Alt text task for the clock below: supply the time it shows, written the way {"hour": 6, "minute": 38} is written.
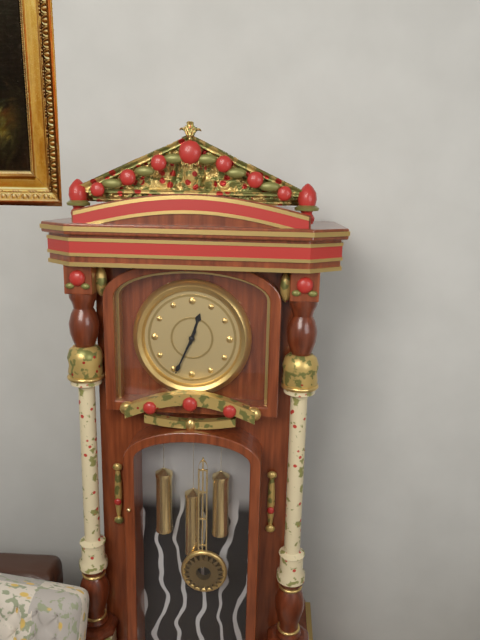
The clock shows {"hour": 12, "minute": 34}
